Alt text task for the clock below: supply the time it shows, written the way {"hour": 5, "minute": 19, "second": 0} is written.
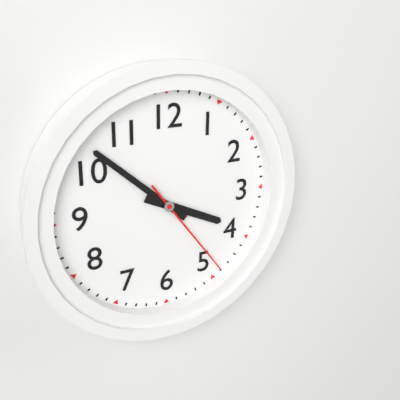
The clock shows {"hour": 3, "minute": 52, "second": 24}
